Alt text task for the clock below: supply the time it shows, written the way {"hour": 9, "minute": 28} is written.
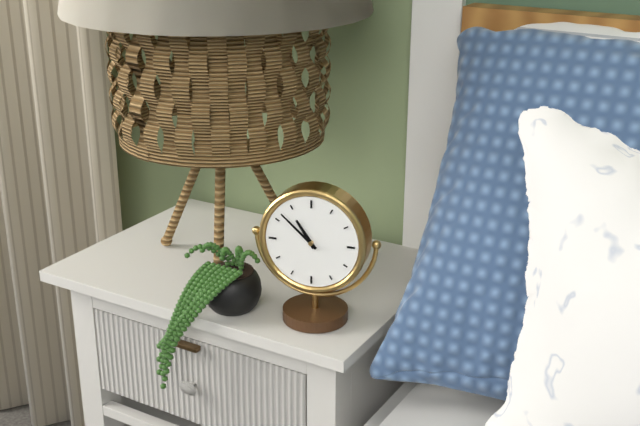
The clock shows {"hour": 10, "minute": 52}
